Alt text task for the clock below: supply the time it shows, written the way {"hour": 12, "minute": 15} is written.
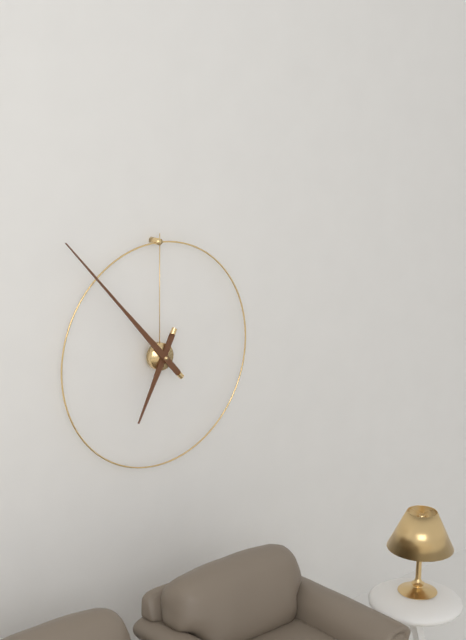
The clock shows {"hour": 6, "minute": 53}
